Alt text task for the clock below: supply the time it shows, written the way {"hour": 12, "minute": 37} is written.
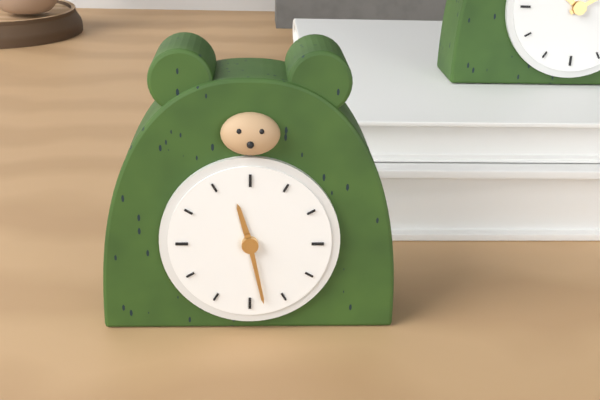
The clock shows {"hour": 11, "minute": 28}
